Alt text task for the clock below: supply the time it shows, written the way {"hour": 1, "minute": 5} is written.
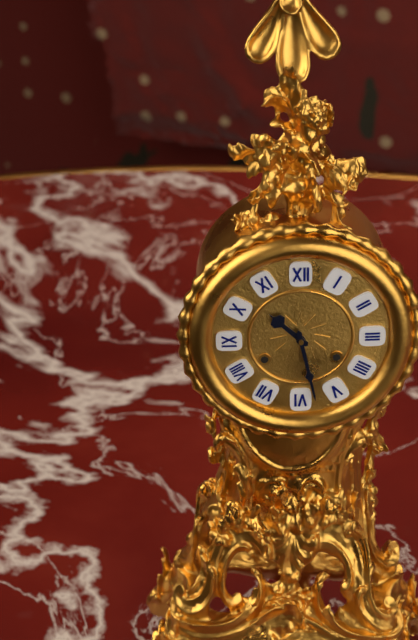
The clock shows {"hour": 10, "minute": 28}
